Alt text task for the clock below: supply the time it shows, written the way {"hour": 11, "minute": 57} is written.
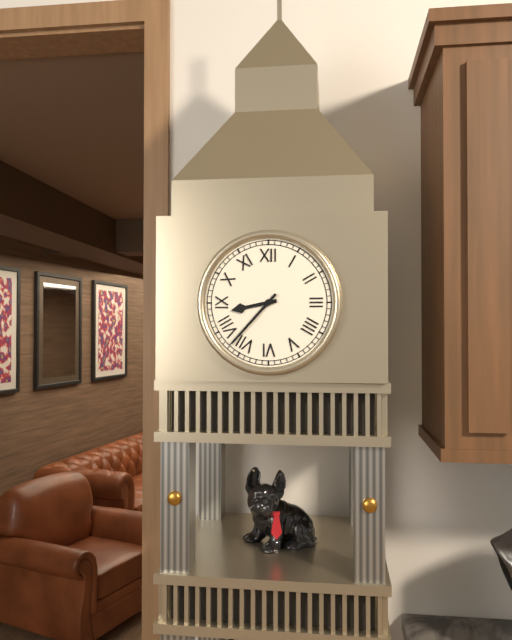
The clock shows {"hour": 8, "minute": 37}
